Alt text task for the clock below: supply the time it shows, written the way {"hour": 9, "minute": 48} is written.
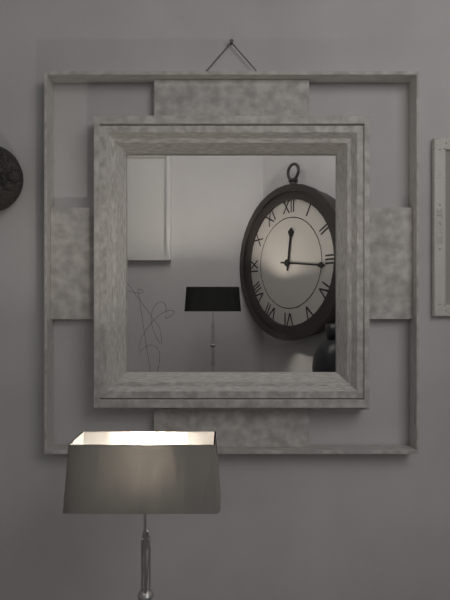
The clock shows {"hour": 12, "minute": 16}
